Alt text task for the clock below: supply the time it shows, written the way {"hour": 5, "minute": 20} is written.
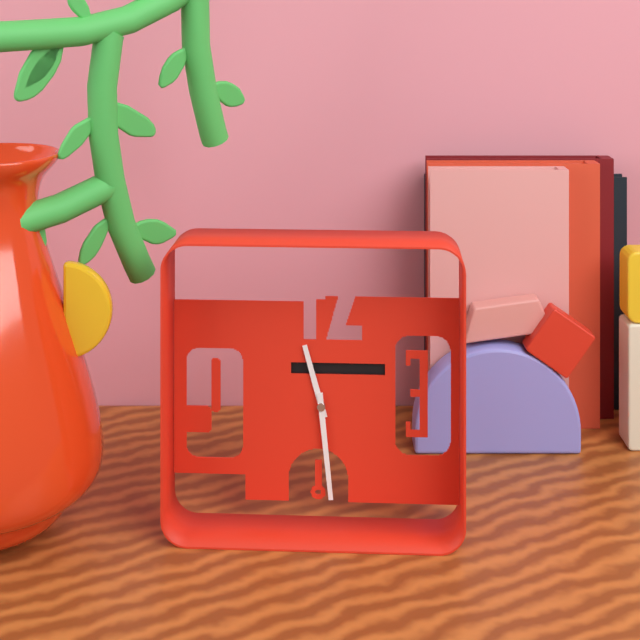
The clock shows {"hour": 11, "minute": 29}
